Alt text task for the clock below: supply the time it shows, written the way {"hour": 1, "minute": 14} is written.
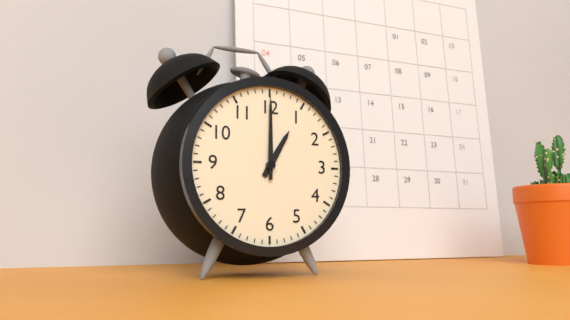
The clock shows {"hour": 1, "minute": 0}
